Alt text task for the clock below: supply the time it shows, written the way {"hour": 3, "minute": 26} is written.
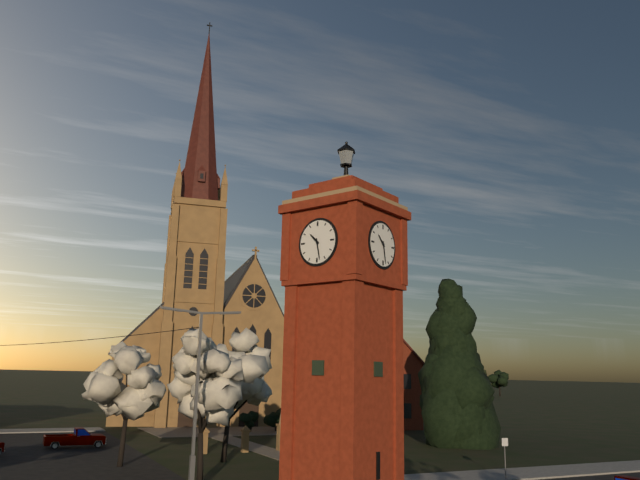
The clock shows {"hour": 10, "minute": 28}
